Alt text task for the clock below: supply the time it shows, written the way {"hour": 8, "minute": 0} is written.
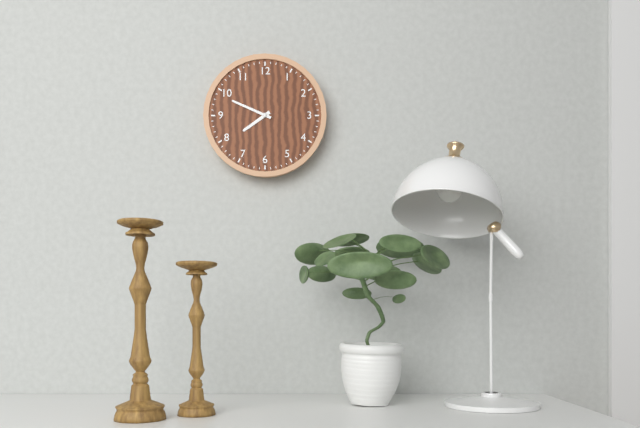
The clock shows {"hour": 7, "minute": 49}
